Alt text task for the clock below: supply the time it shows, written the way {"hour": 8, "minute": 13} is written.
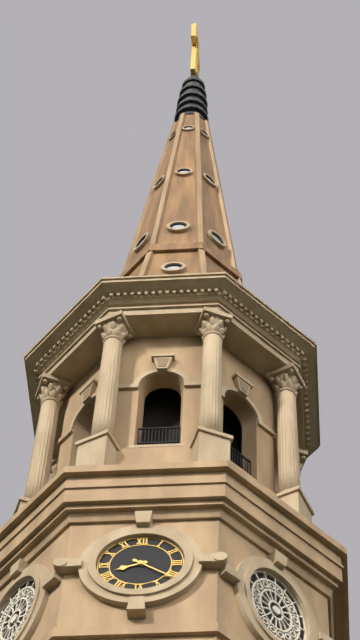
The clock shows {"hour": 8, "minute": 21}
